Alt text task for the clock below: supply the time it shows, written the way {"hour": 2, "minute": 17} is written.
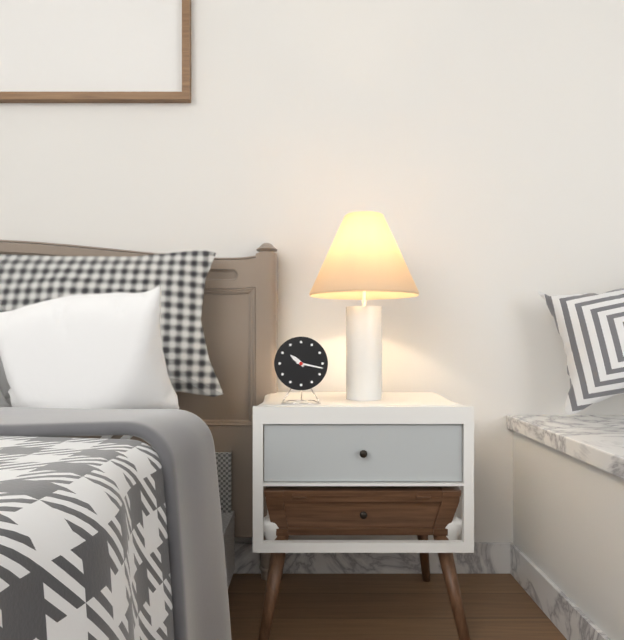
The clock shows {"hour": 10, "minute": 17}
